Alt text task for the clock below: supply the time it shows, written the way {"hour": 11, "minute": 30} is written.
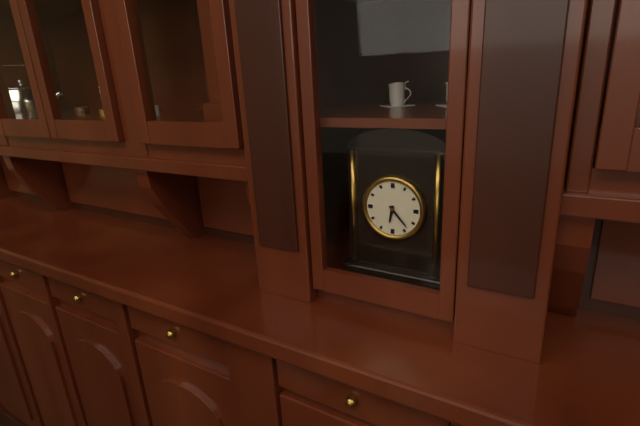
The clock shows {"hour": 6, "minute": 23}
